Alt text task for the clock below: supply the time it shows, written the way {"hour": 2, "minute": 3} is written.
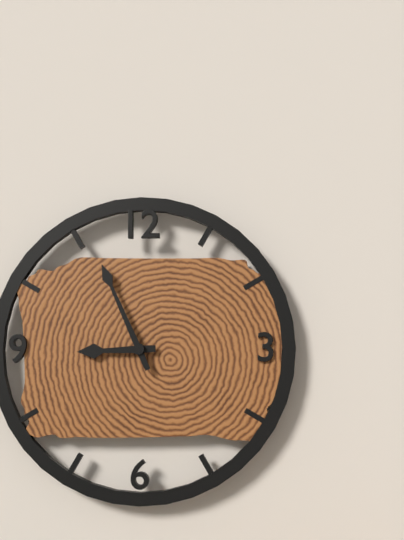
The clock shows {"hour": 8, "minute": 56}
